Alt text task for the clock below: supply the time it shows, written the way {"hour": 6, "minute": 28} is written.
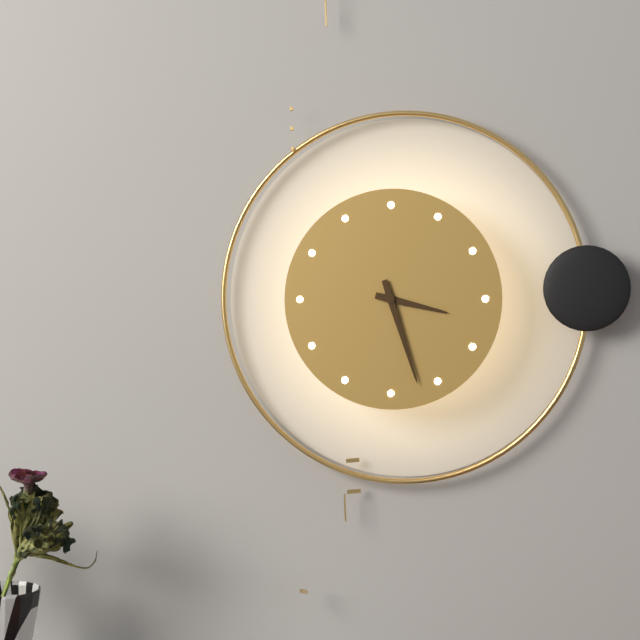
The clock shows {"hour": 3, "minute": 27}
